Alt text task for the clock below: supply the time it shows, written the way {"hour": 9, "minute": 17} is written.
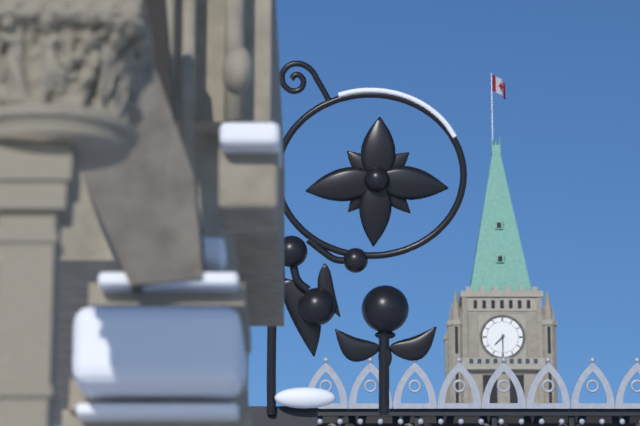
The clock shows {"hour": 7, "minute": 30}
